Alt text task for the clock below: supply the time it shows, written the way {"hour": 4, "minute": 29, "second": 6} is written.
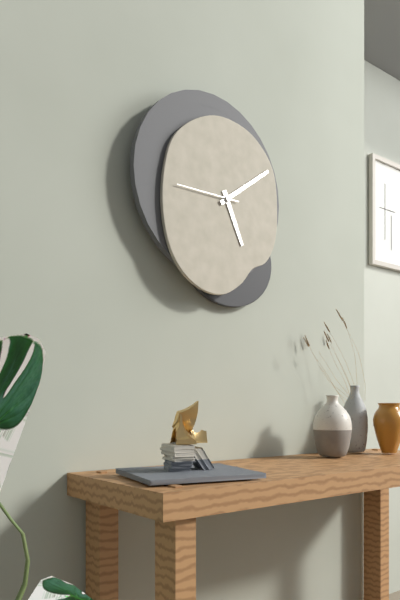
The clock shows {"hour": 5, "minute": 9, "second": 45}
